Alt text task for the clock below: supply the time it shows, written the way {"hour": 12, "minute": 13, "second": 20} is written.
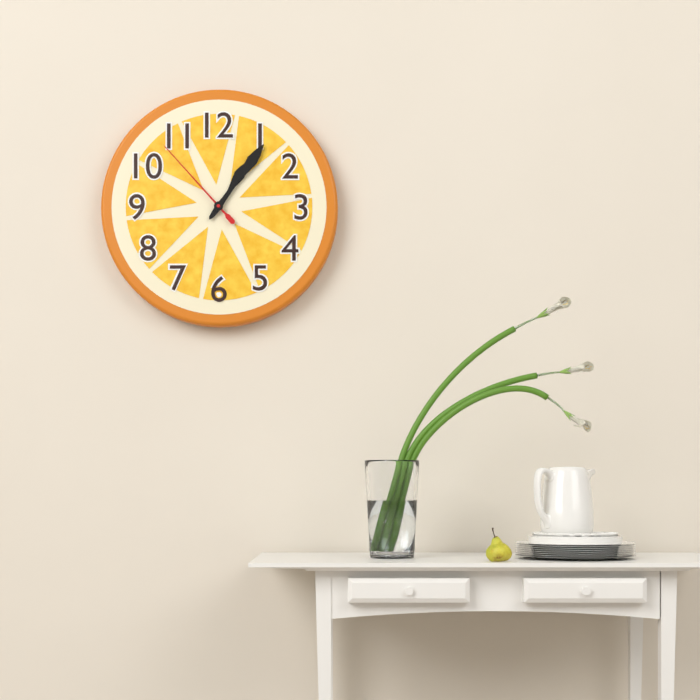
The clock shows {"hour": 1, "minute": 6, "second": 53}
